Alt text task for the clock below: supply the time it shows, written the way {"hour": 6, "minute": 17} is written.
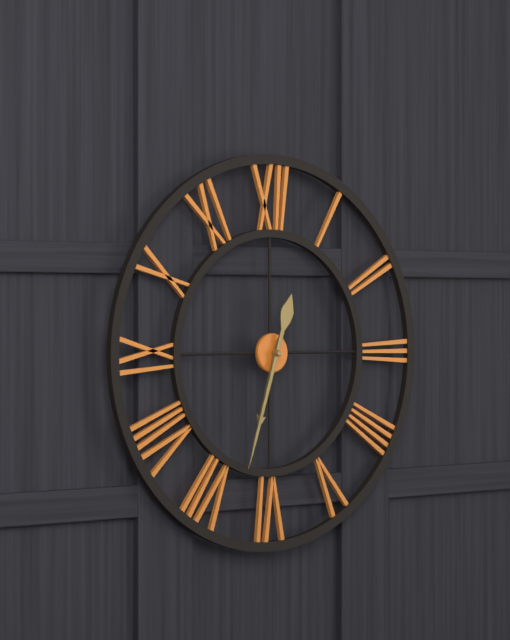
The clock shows {"hour": 6, "minute": 33}
